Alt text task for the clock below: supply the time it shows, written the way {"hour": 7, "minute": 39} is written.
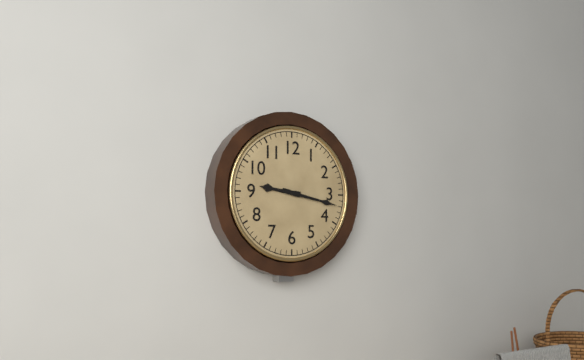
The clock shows {"hour": 9, "minute": 17}
